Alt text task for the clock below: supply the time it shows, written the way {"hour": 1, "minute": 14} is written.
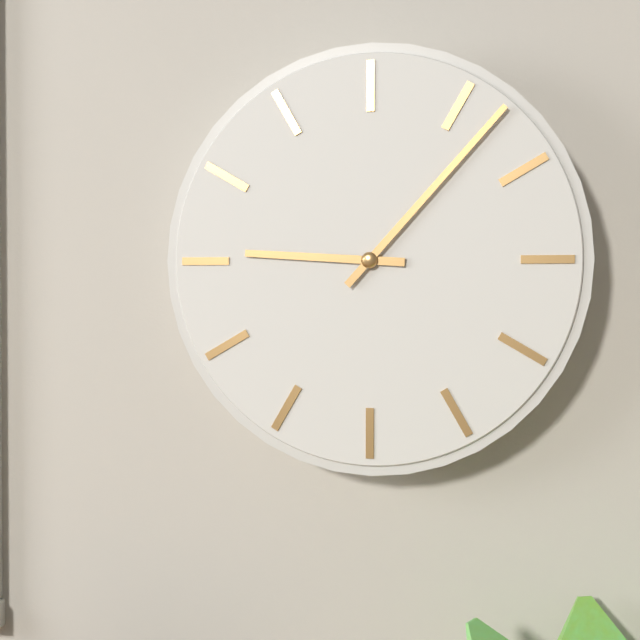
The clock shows {"hour": 9, "minute": 7}
